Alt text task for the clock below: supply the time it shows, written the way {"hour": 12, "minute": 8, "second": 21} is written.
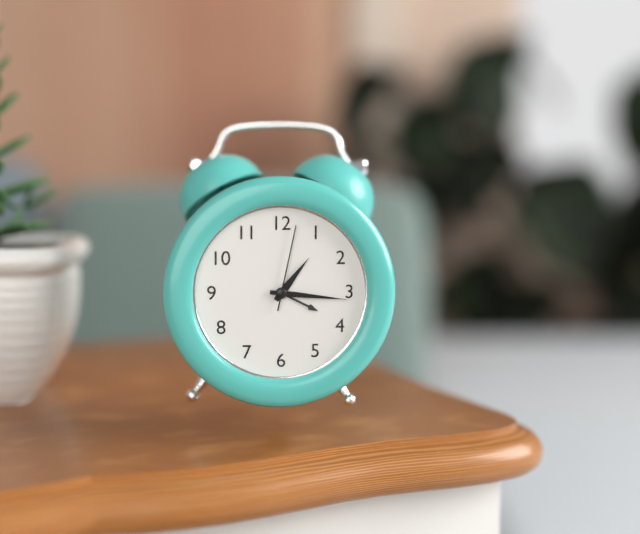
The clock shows {"hour": 1, "minute": 16, "second": 2}
